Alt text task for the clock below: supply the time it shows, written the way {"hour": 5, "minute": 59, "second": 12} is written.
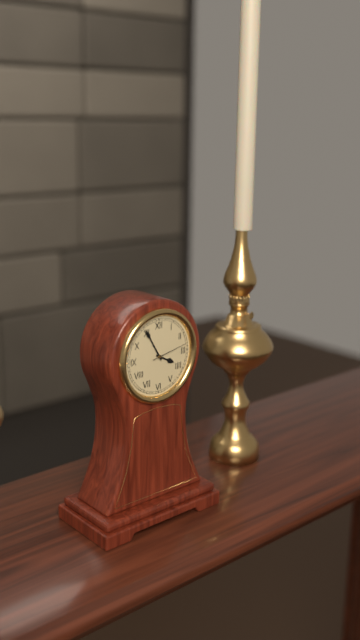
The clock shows {"hour": 3, "minute": 55, "second": 13}
